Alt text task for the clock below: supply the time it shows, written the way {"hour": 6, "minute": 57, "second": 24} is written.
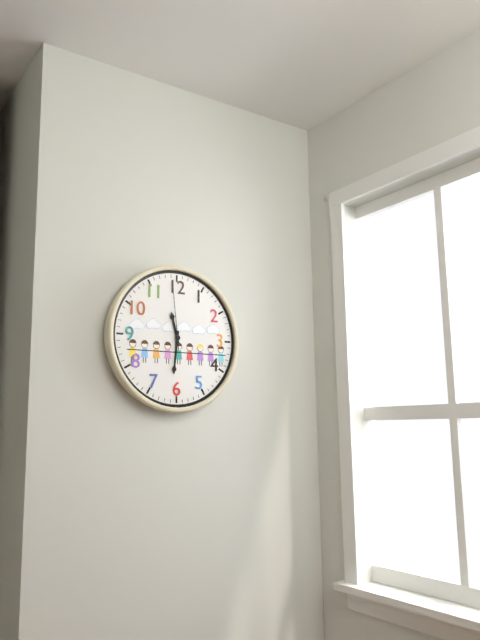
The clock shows {"hour": 11, "minute": 31, "second": 59}
